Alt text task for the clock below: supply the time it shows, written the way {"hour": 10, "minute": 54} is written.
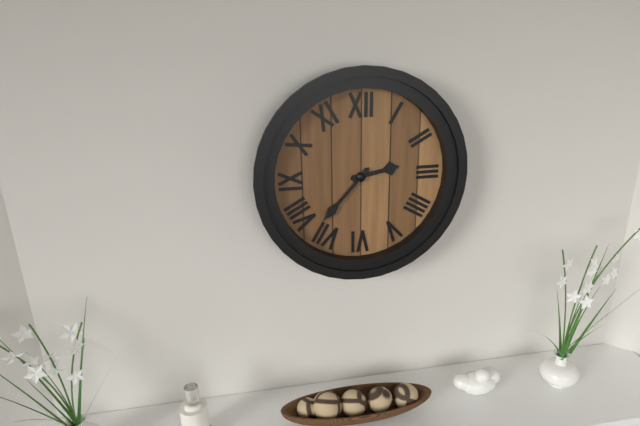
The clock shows {"hour": 2, "minute": 37}
